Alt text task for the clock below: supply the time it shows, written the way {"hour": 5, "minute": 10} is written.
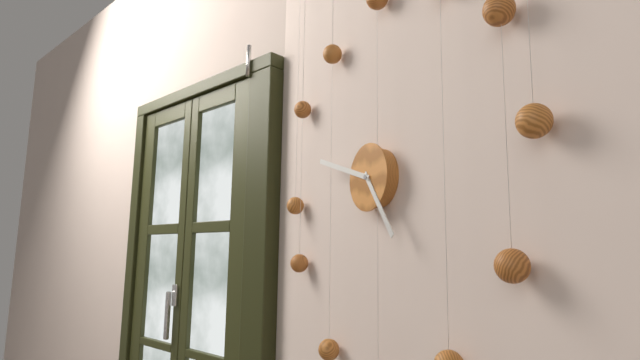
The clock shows {"hour": 4, "minute": 48}
